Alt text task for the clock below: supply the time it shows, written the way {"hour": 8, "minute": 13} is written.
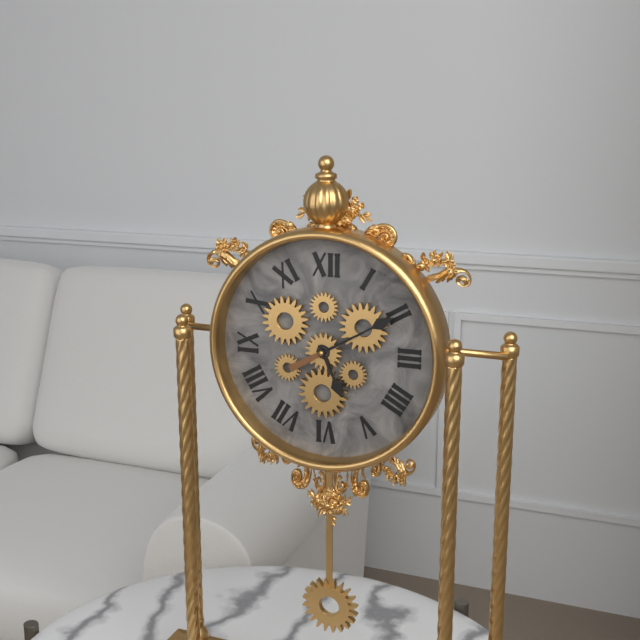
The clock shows {"hour": 5, "minute": 10}
